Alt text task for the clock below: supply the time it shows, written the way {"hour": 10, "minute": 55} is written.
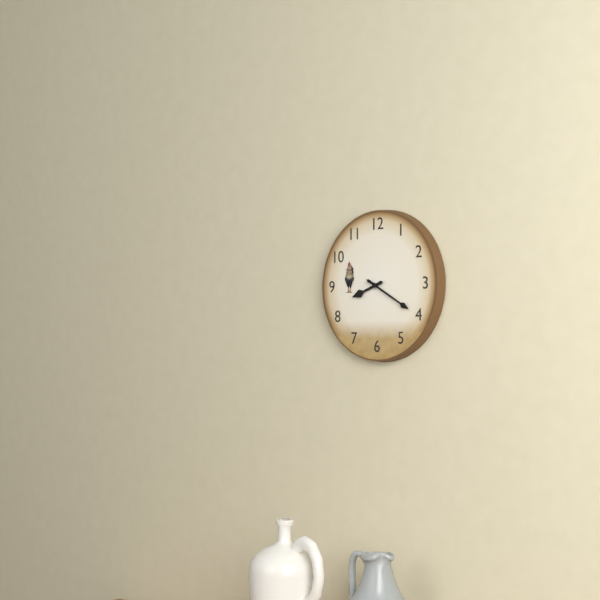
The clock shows {"hour": 8, "minute": 20}
